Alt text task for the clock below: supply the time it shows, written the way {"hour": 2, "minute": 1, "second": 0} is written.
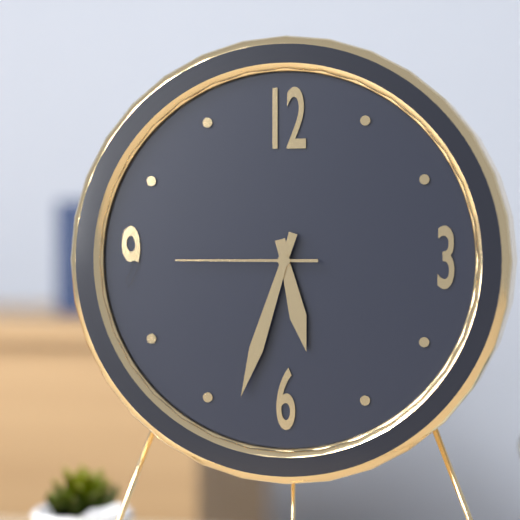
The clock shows {"hour": 5, "minute": 33, "second": 45}
